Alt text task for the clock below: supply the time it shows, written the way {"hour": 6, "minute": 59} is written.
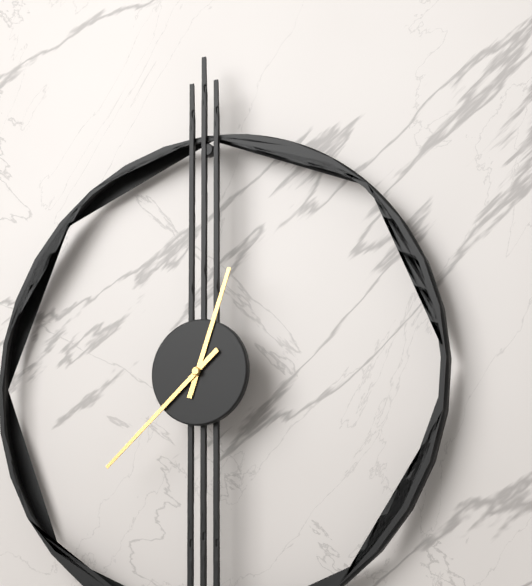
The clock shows {"hour": 12, "minute": 38}
